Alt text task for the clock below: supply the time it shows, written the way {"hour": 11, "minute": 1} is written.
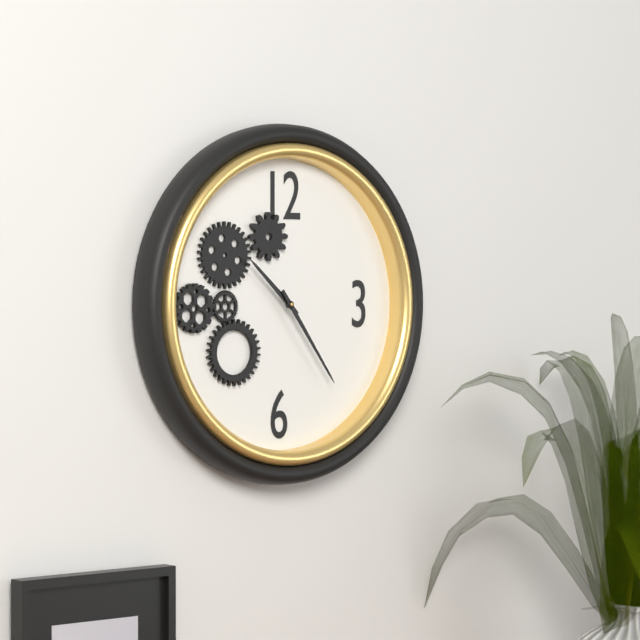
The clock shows {"hour": 10, "minute": 24}
